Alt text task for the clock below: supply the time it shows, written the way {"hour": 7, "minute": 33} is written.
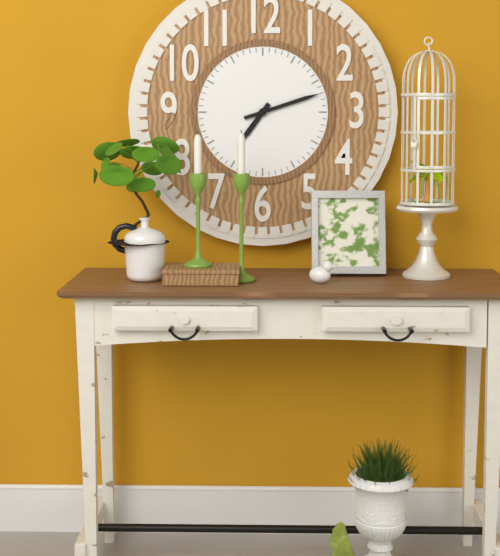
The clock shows {"hour": 7, "minute": 12}
